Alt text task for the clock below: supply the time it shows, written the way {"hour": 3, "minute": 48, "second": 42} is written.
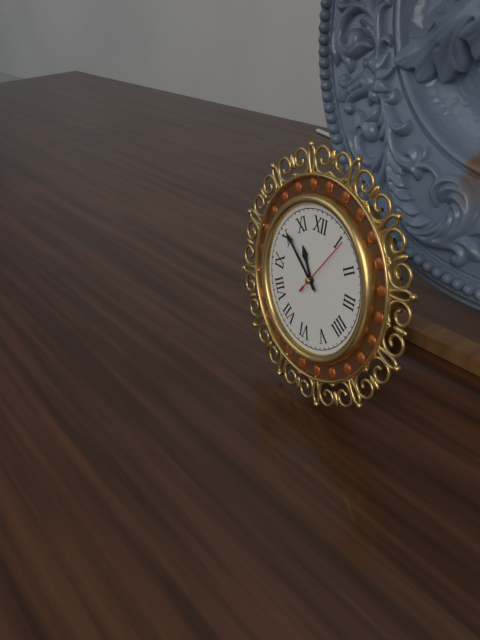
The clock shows {"hour": 10, "minute": 51, "second": 6}
